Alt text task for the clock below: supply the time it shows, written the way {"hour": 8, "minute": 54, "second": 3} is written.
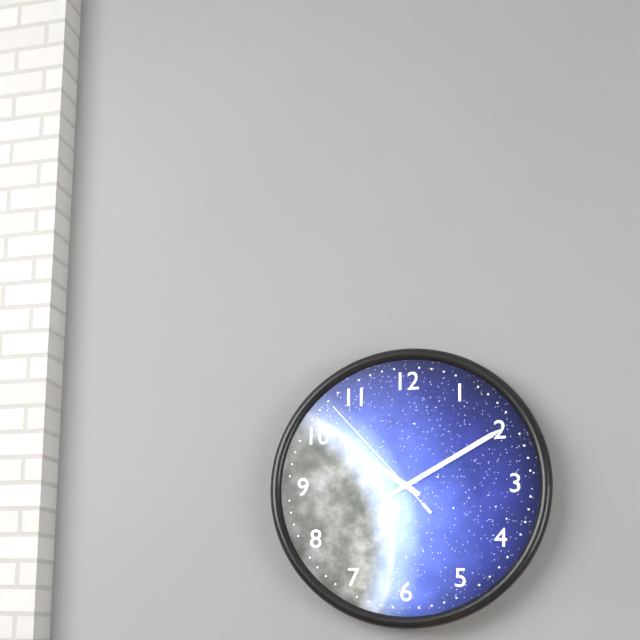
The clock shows {"hour": 10, "minute": 10, "second": 53}
